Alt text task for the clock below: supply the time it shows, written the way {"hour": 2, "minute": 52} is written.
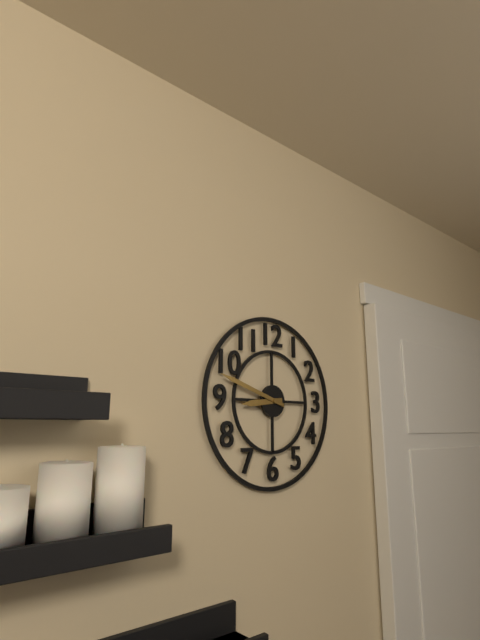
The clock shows {"hour": 8, "minute": 48}
